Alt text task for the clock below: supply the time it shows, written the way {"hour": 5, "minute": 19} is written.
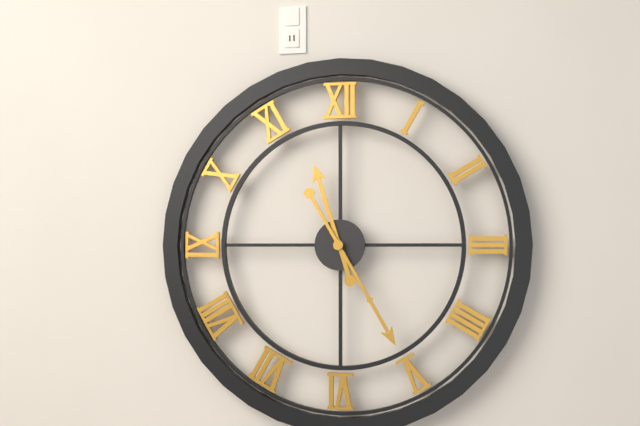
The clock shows {"hour": 11, "minute": 25}
